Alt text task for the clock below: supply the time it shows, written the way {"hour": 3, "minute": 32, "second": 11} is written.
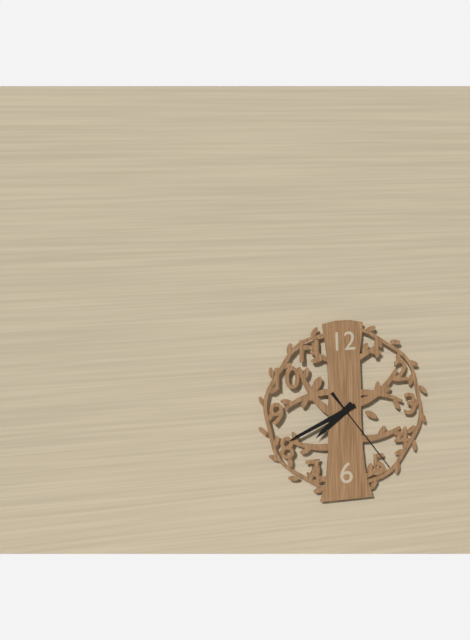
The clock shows {"hour": 7, "minute": 41, "second": 24}
